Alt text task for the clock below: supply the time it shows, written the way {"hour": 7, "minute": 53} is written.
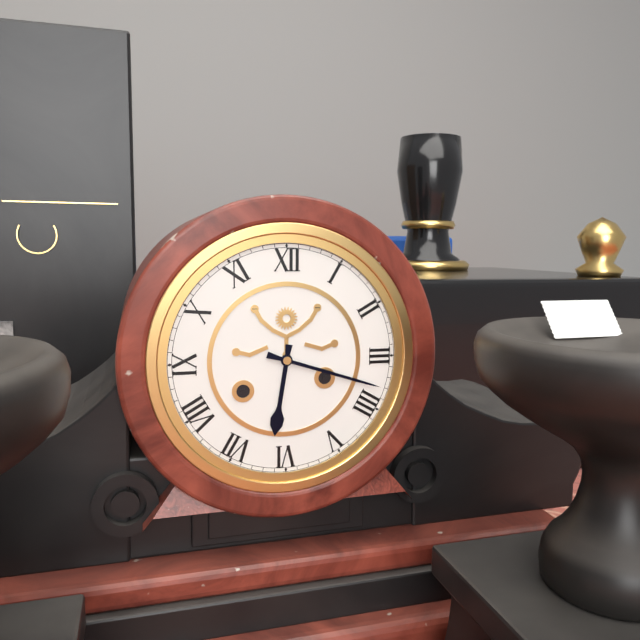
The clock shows {"hour": 6, "minute": 18}
